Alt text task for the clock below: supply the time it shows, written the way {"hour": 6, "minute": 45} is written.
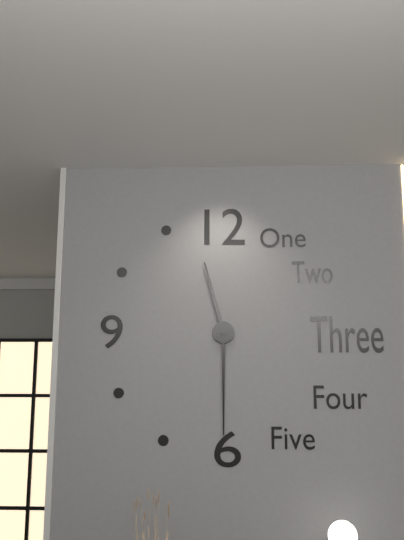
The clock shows {"hour": 11, "minute": 30}
